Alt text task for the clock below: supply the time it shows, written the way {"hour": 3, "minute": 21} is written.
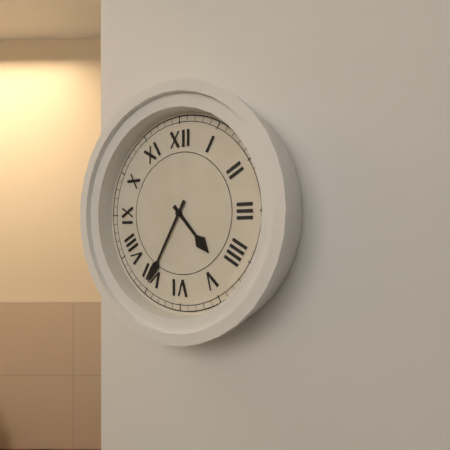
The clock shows {"hour": 4, "minute": 35}
